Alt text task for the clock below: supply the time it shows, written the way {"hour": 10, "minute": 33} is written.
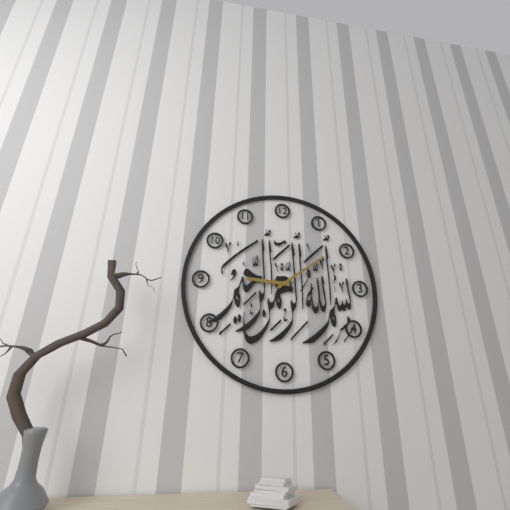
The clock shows {"hour": 9, "minute": 9}
